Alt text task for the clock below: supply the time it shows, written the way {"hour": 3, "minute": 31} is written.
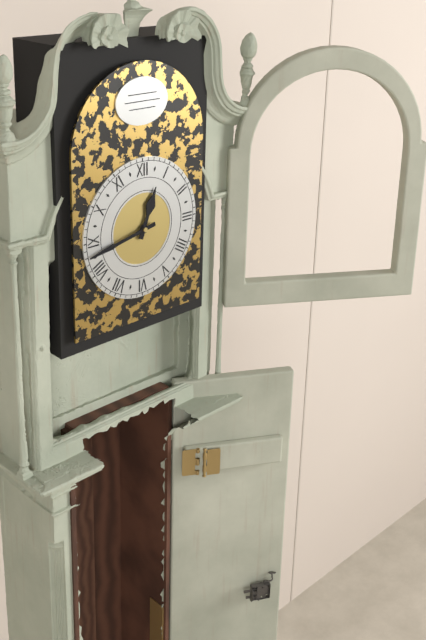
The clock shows {"hour": 12, "minute": 43}
